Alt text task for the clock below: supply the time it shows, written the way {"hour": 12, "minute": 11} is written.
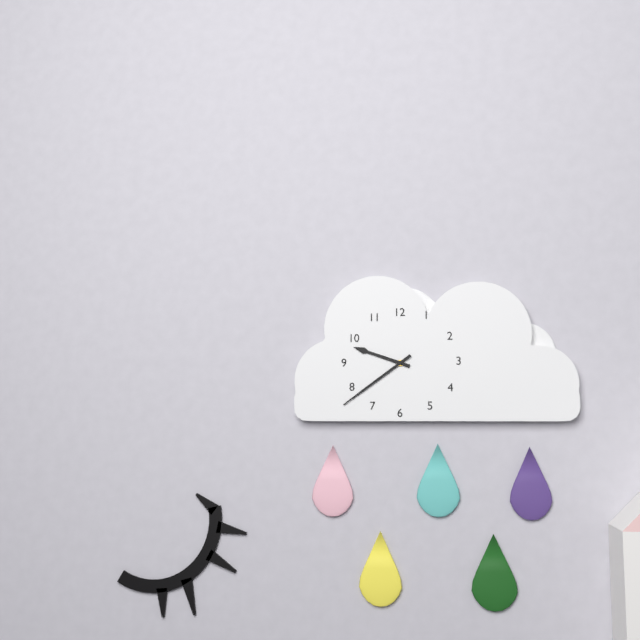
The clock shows {"hour": 9, "minute": 39}
